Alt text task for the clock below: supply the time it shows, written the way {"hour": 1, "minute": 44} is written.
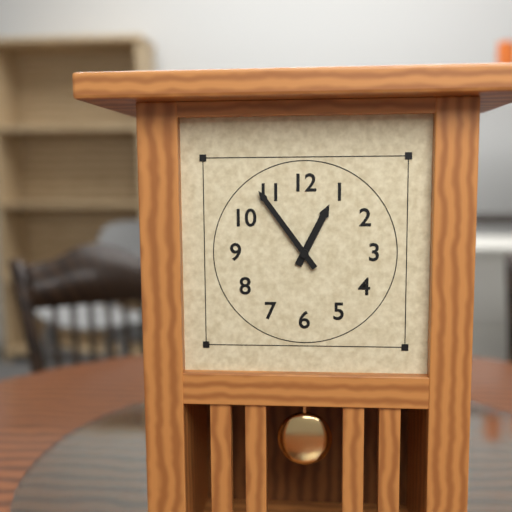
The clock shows {"hour": 12, "minute": 54}
